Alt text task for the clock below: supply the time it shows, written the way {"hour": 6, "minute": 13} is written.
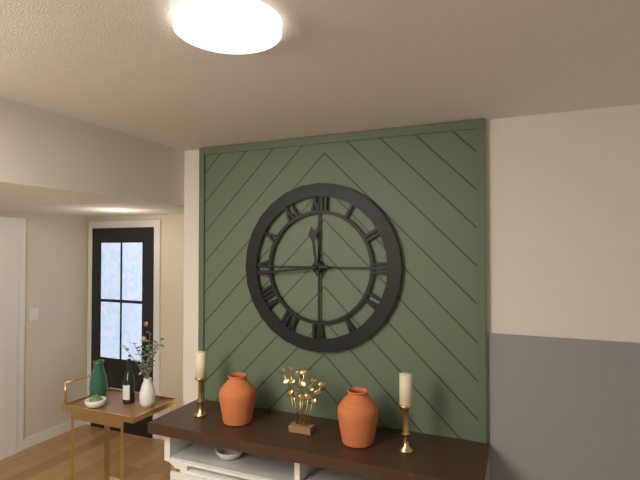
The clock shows {"hour": 11, "minute": 44}
